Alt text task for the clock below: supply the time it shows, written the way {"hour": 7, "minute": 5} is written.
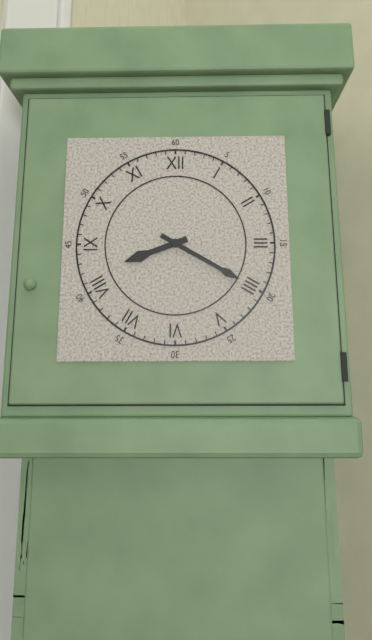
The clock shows {"hour": 8, "minute": 20}
